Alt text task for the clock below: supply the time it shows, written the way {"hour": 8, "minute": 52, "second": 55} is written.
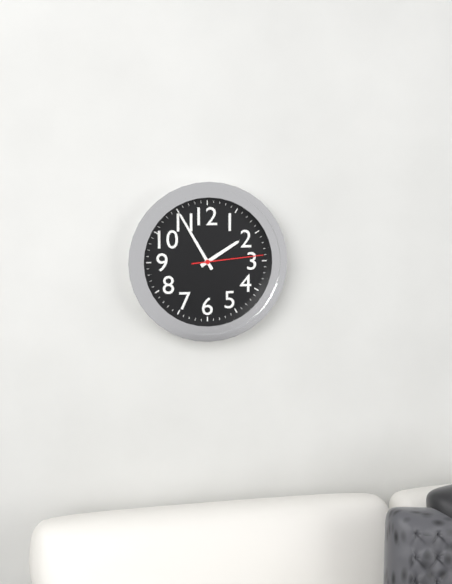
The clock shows {"hour": 1, "minute": 55, "second": 14}
